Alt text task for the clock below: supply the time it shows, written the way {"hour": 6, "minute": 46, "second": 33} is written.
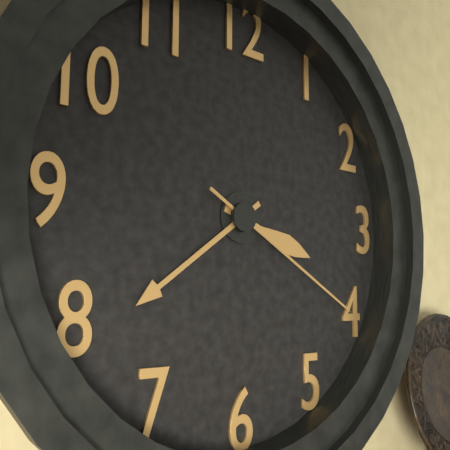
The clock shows {"hour": 3, "minute": 39, "second": 20}
